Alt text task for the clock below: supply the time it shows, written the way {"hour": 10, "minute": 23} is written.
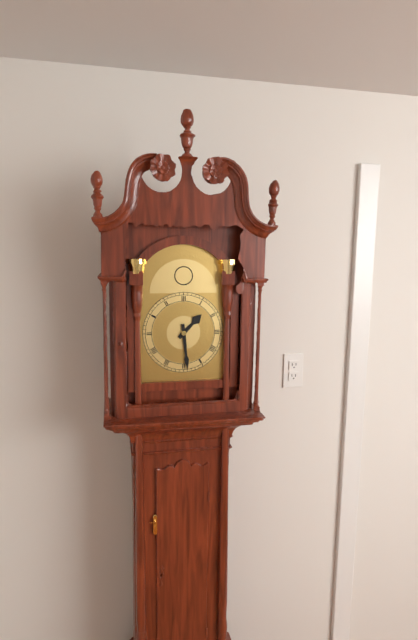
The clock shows {"hour": 1, "minute": 29}
